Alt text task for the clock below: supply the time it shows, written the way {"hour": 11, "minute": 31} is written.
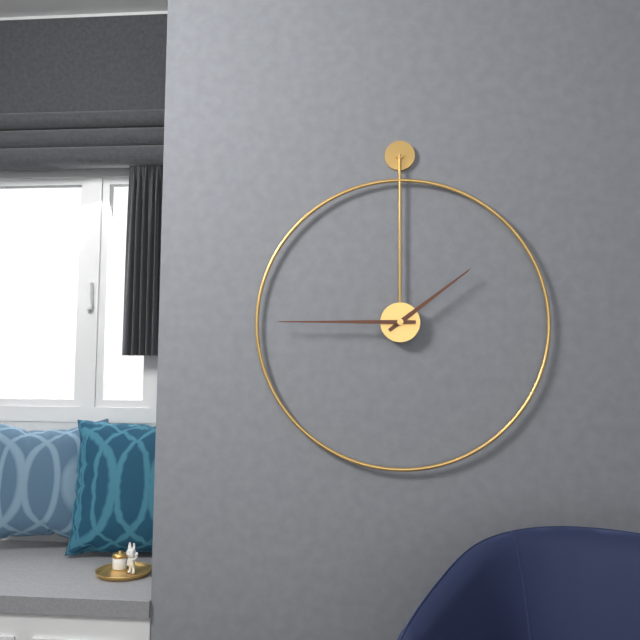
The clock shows {"hour": 1, "minute": 45}
